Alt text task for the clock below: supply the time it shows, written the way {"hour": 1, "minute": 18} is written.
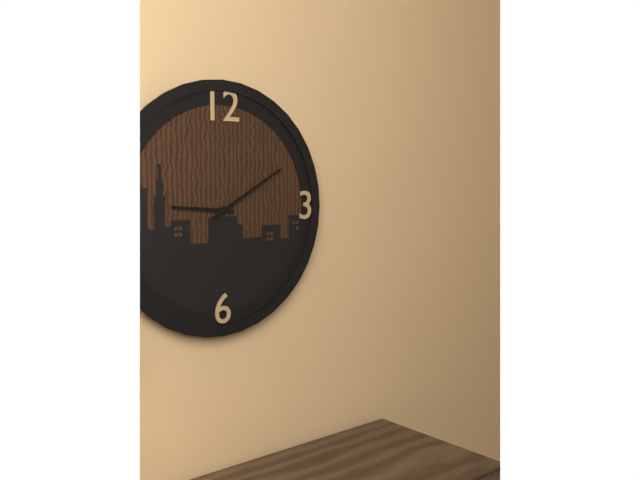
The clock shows {"hour": 9, "minute": 10}
